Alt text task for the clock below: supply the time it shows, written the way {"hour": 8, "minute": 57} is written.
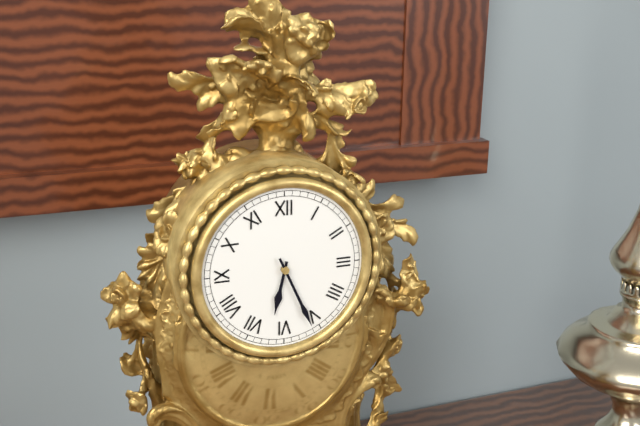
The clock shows {"hour": 6, "minute": 26}
